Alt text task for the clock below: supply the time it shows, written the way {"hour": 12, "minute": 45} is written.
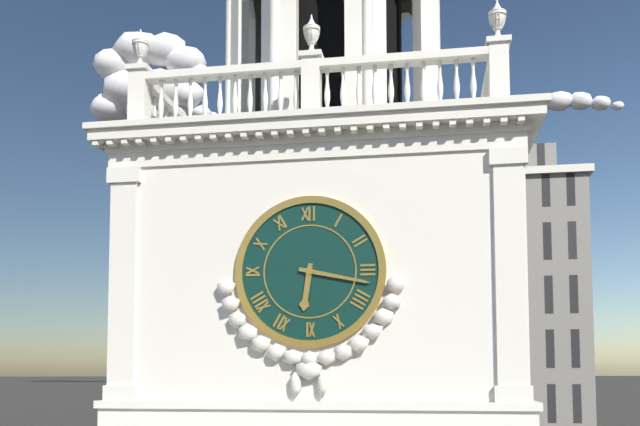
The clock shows {"hour": 6, "minute": 17}
